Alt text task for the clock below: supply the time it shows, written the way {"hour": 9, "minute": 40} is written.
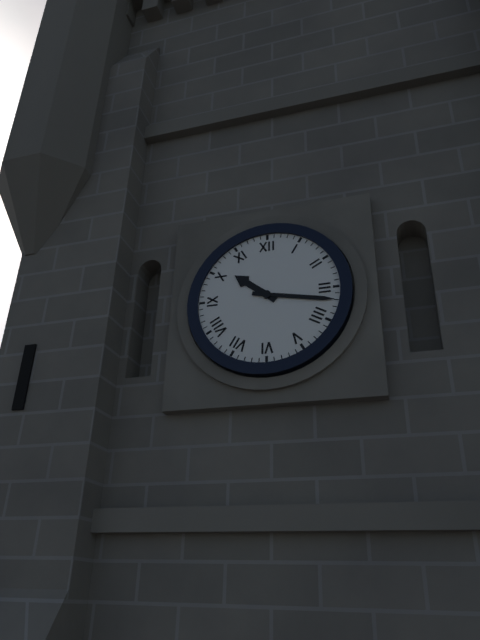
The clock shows {"hour": 10, "minute": 17}
